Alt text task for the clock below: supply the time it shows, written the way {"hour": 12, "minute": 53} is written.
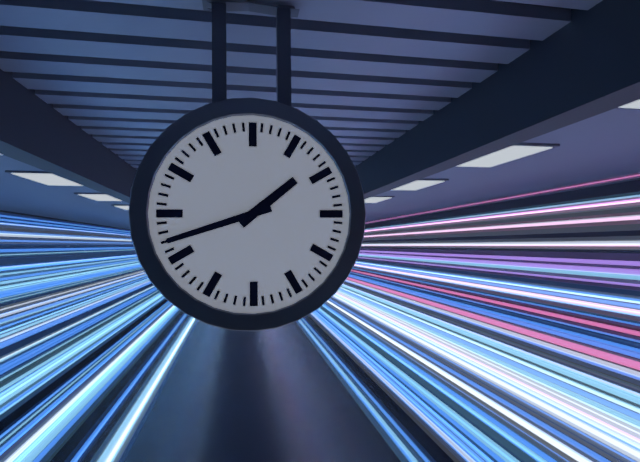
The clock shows {"hour": 1, "minute": 42}
